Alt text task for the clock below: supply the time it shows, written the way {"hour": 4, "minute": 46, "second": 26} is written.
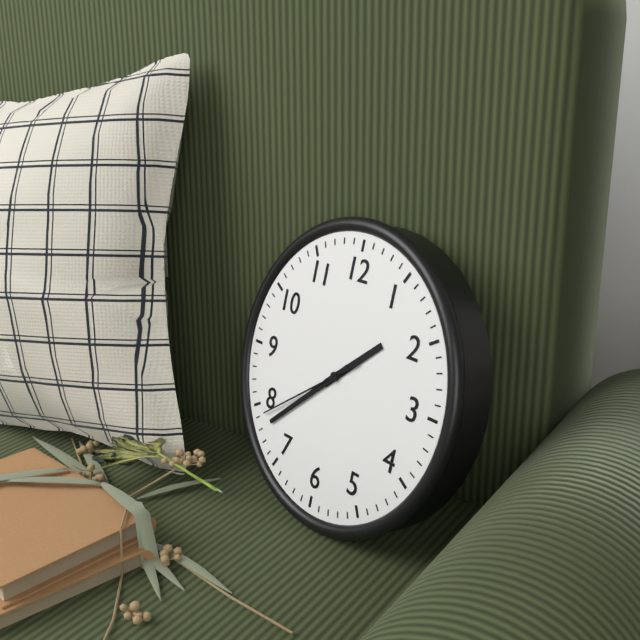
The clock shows {"hour": 1, "minute": 38, "second": 39}
